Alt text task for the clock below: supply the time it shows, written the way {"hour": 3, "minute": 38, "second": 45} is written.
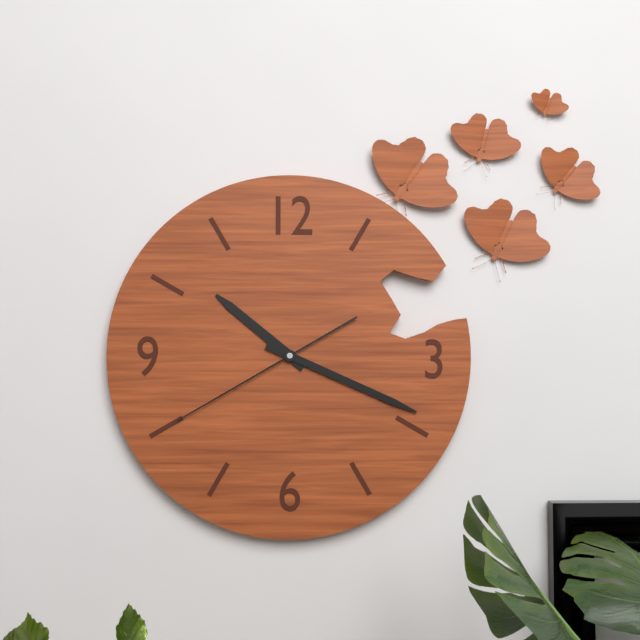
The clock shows {"hour": 10, "minute": 19, "second": 40}
